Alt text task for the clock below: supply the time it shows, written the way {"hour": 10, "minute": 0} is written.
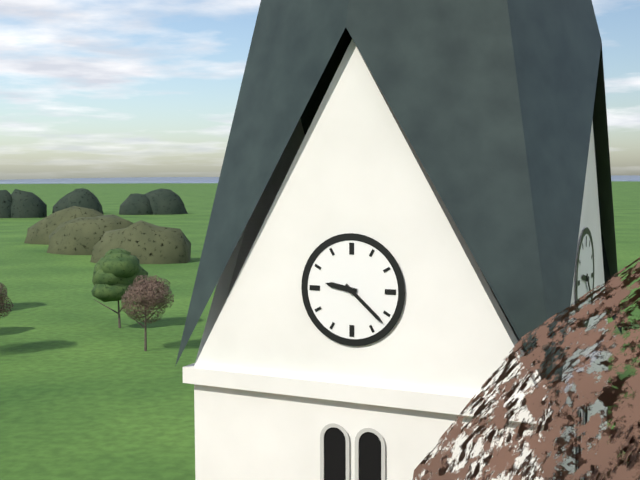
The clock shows {"hour": 9, "minute": 22}
